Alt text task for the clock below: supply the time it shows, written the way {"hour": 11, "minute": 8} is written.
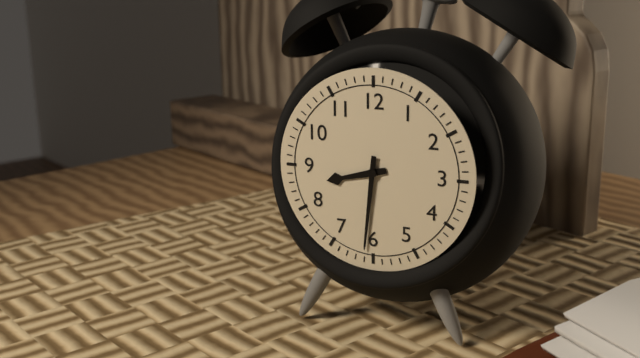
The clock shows {"hour": 8, "minute": 31}
